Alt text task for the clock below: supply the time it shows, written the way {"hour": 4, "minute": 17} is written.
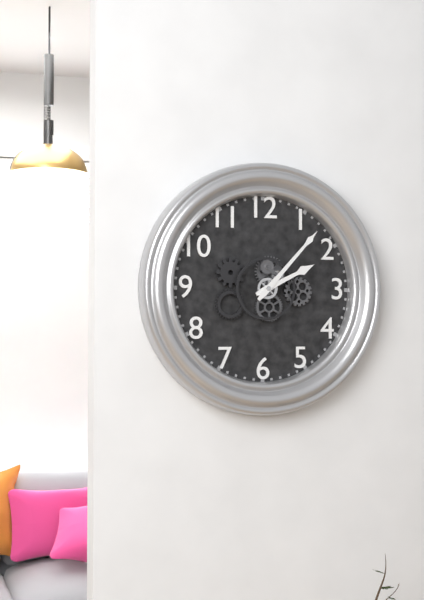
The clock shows {"hour": 2, "minute": 7}
